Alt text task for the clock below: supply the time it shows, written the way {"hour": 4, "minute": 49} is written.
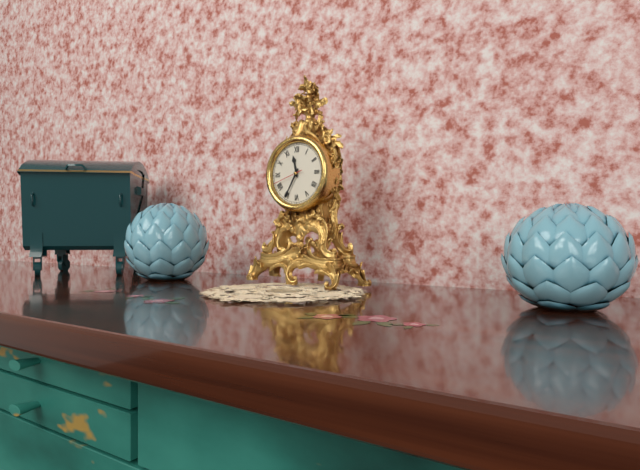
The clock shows {"hour": 11, "minute": 35}
